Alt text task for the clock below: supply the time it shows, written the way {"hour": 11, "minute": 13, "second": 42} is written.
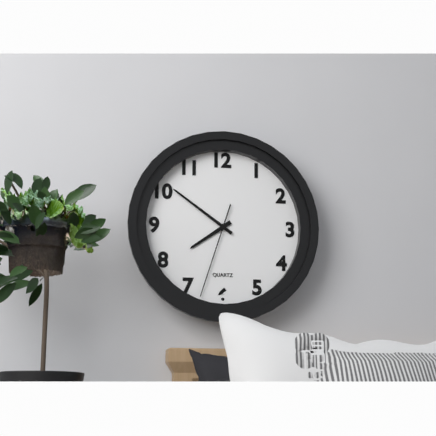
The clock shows {"hour": 7, "minute": 51, "second": 33}
